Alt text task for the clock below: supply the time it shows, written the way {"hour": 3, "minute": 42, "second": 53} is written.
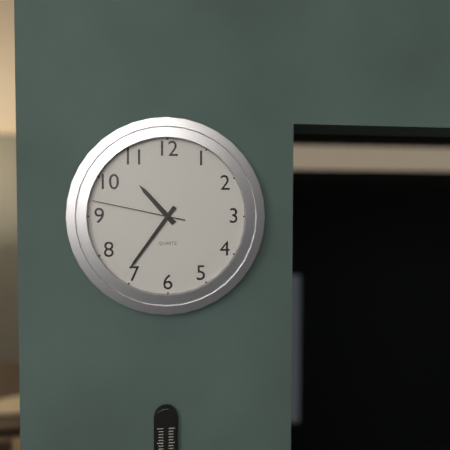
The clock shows {"hour": 10, "minute": 36, "second": 47}
